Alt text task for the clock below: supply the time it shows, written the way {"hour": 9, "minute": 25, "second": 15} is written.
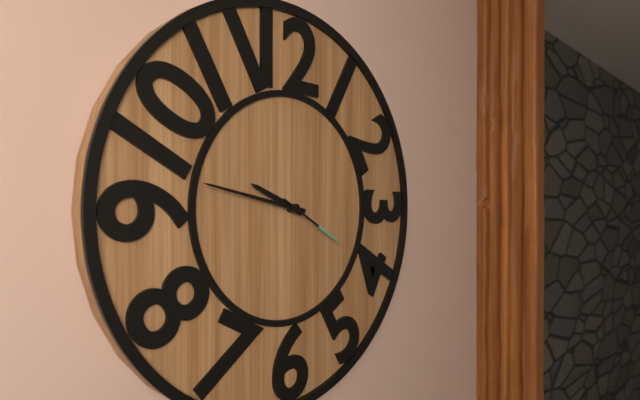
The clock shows {"hour": 9, "minute": 47, "second": 20}
